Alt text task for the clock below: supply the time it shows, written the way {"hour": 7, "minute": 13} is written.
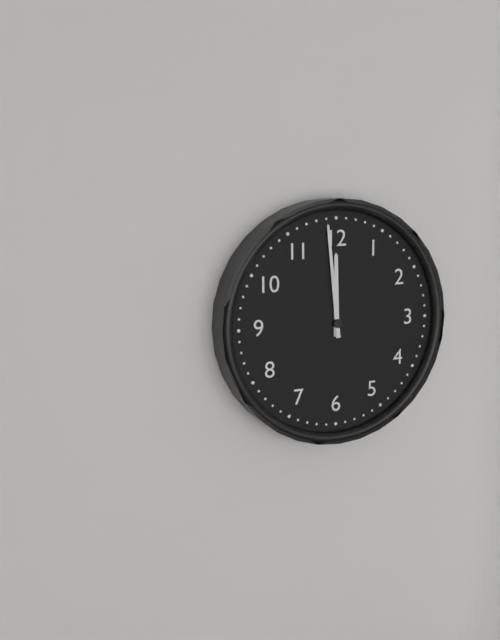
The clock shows {"hour": 11, "minute": 59}
